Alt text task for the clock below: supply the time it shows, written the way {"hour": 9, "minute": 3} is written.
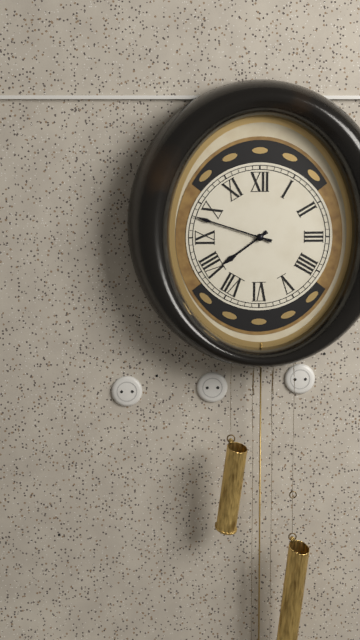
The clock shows {"hour": 7, "minute": 48}
